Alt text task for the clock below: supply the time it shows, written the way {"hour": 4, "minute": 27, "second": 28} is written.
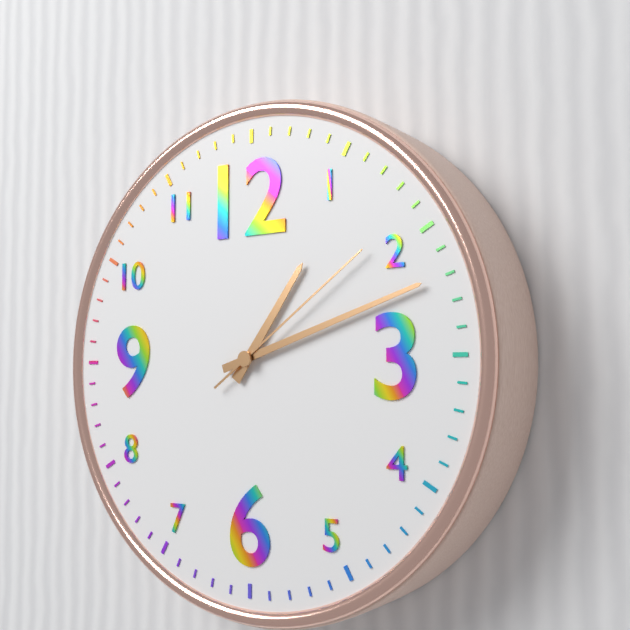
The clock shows {"hour": 1, "minute": 12, "second": 9}
